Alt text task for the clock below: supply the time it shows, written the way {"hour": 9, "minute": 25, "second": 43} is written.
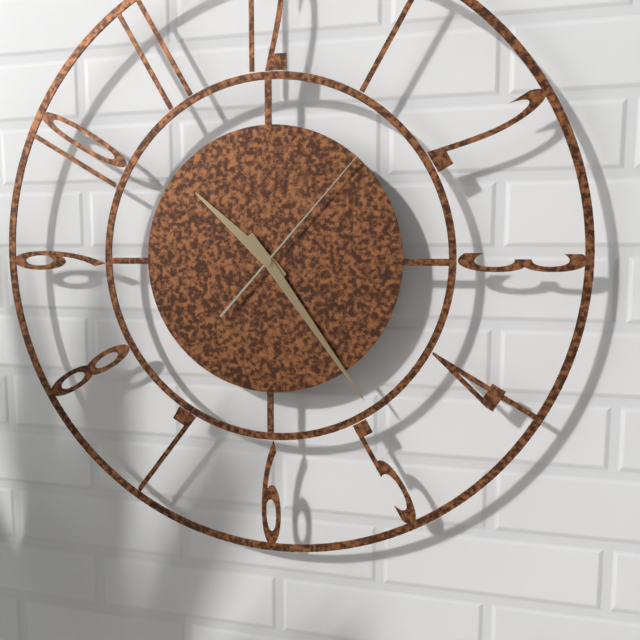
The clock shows {"hour": 10, "minute": 24, "second": 7}
